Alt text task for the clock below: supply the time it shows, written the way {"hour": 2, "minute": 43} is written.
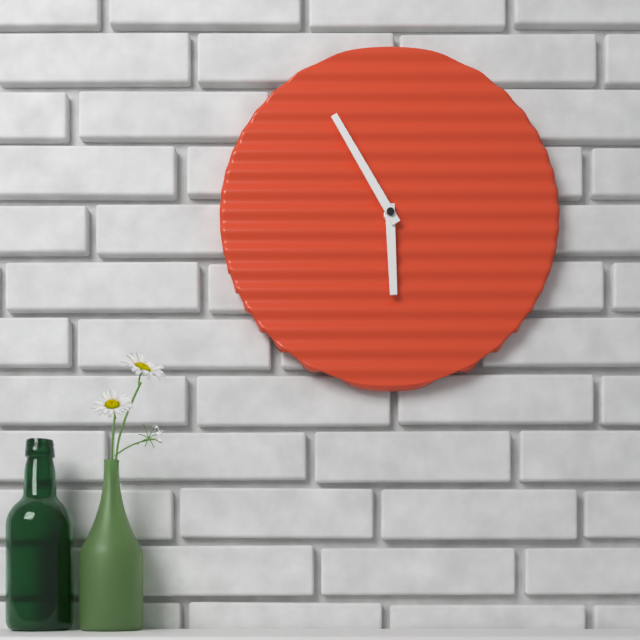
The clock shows {"hour": 5, "minute": 55}
